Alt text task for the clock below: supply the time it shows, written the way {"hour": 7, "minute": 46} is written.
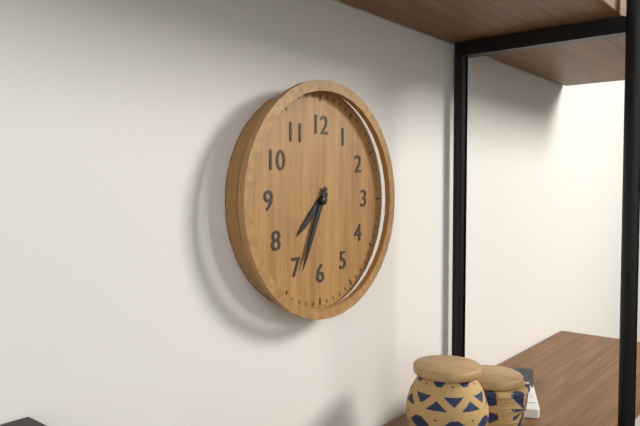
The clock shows {"hour": 7, "minute": 34}
